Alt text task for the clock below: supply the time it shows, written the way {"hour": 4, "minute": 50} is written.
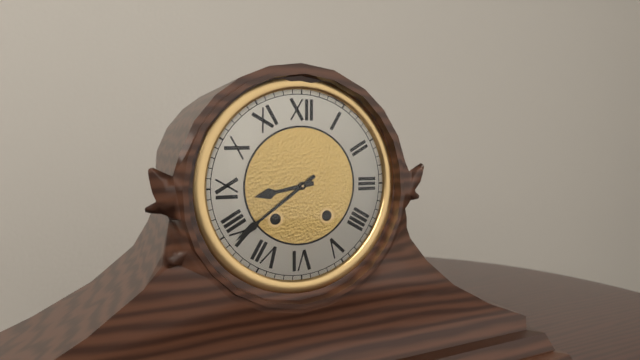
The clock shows {"hour": 8, "minute": 39}
